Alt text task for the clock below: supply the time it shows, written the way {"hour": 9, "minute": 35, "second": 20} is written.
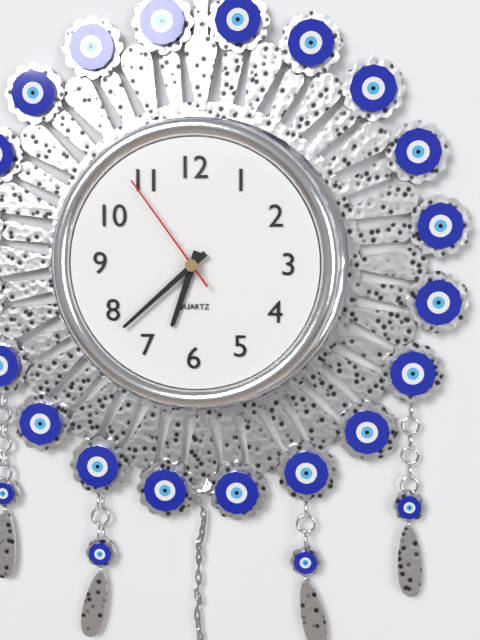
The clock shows {"hour": 6, "minute": 38, "second": 54}
